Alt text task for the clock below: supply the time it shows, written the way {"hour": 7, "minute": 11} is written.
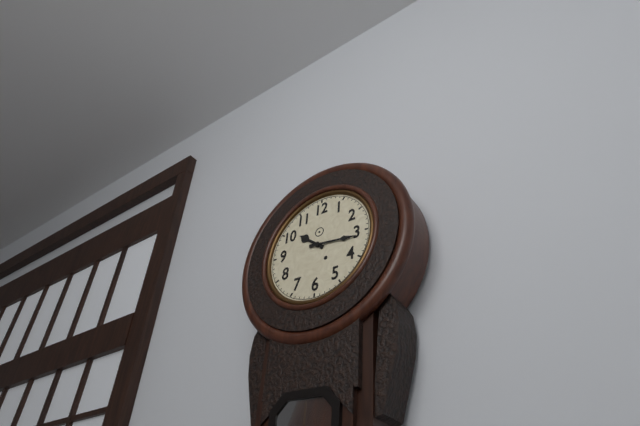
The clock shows {"hour": 10, "minute": 16}
